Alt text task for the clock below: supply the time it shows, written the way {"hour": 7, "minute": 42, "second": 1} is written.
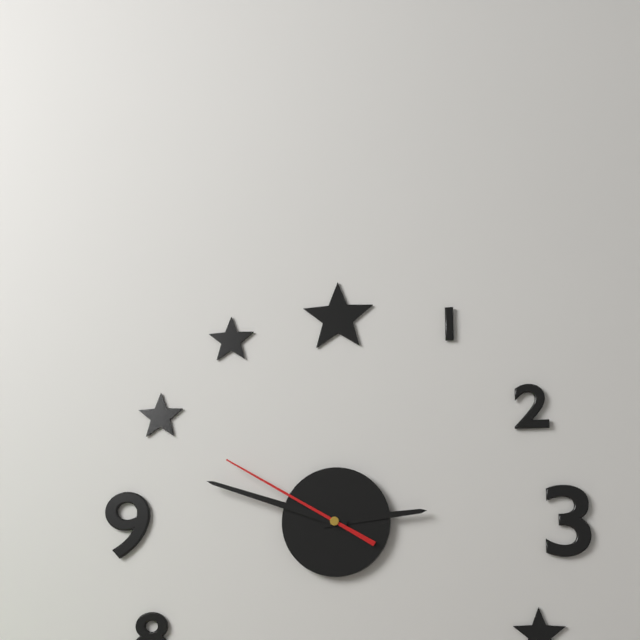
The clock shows {"hour": 2, "minute": 48, "second": 50}
